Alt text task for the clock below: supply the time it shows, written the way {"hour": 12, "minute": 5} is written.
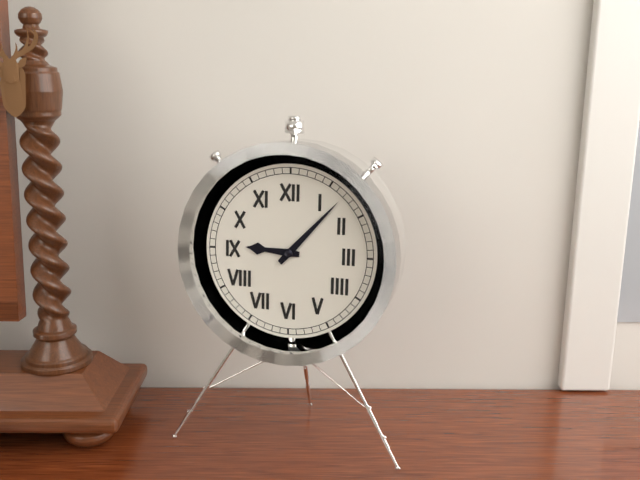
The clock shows {"hour": 9, "minute": 7}
